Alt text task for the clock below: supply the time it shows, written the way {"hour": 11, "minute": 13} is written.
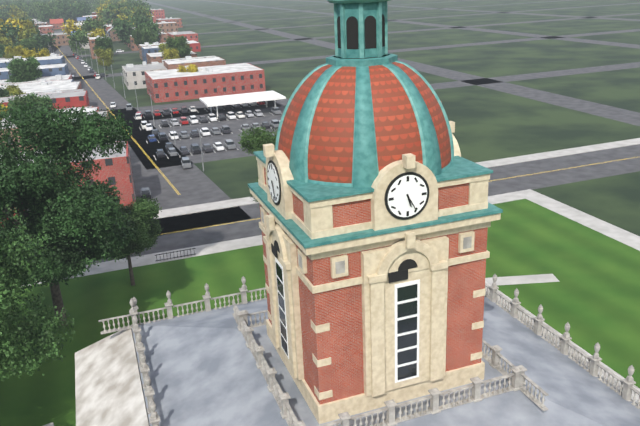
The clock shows {"hour": 5, "minute": 25}
